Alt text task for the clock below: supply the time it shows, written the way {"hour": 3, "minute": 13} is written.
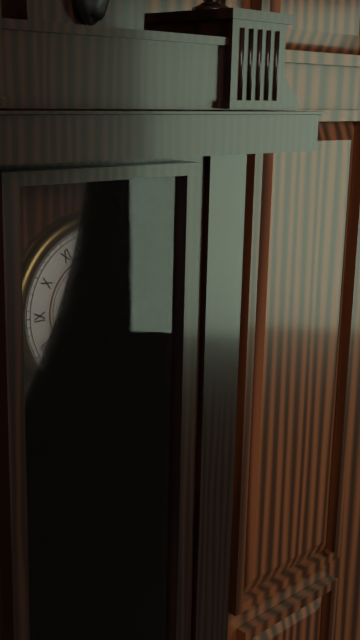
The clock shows {"hour": 7, "minute": 35}
